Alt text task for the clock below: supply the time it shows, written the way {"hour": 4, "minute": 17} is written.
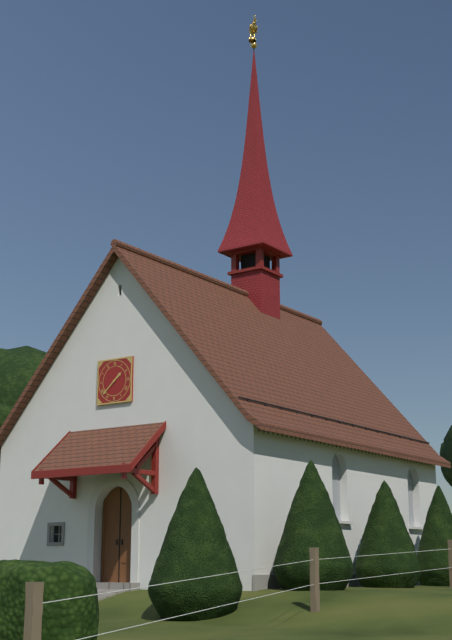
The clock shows {"hour": 1, "minute": 38}
